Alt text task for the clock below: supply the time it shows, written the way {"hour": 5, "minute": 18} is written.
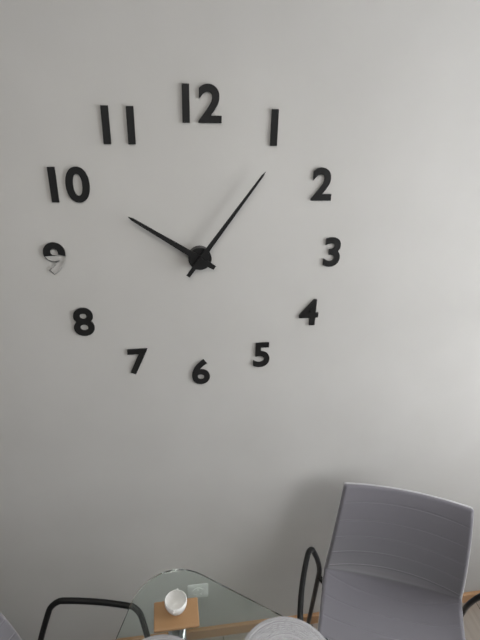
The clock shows {"hour": 10, "minute": 6}
